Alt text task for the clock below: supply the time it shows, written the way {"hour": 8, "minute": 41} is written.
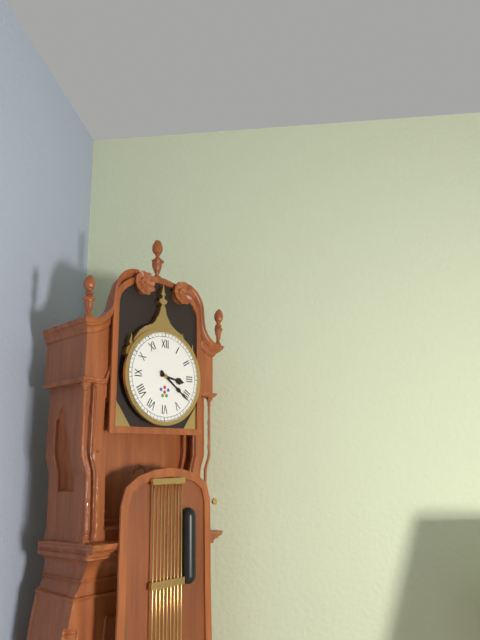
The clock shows {"hour": 3, "minute": 21}
